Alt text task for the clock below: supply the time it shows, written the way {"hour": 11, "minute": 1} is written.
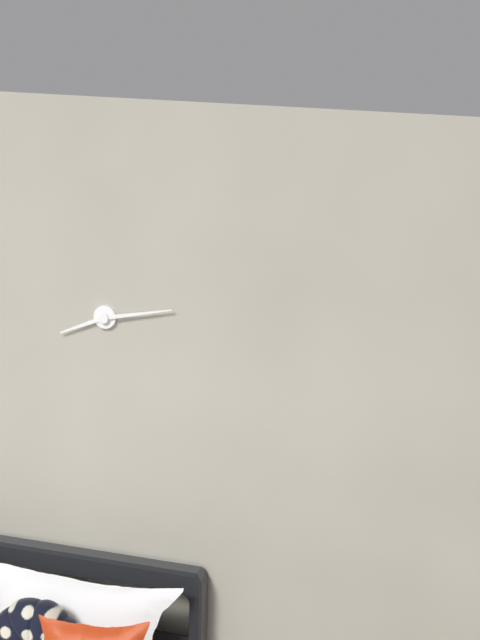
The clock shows {"hour": 8, "minute": 13}
